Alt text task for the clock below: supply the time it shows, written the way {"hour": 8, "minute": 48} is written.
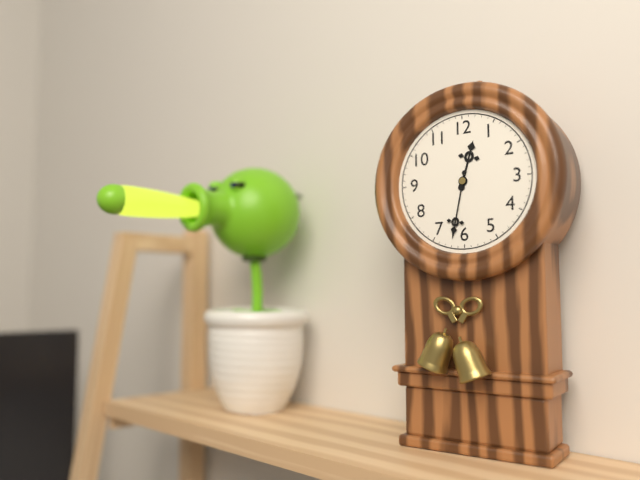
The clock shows {"hour": 12, "minute": 32}
